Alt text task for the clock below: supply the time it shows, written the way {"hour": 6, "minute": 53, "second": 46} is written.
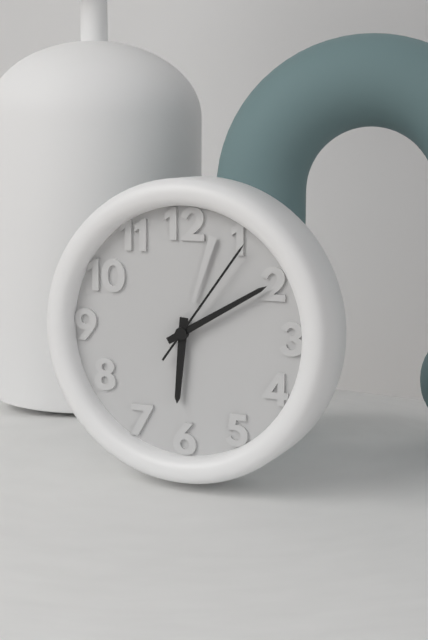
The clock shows {"hour": 6, "minute": 10, "second": 6}
